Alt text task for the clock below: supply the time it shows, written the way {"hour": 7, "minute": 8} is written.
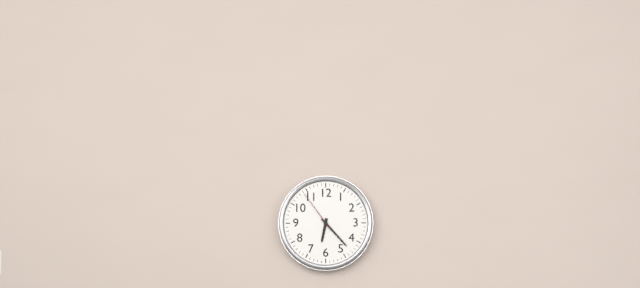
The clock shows {"hour": 6, "minute": 23}
